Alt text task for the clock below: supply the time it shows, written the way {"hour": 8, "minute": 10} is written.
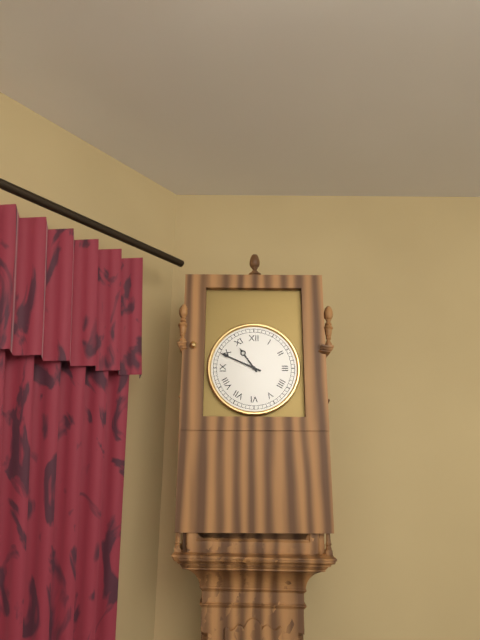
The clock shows {"hour": 10, "minute": 49}
